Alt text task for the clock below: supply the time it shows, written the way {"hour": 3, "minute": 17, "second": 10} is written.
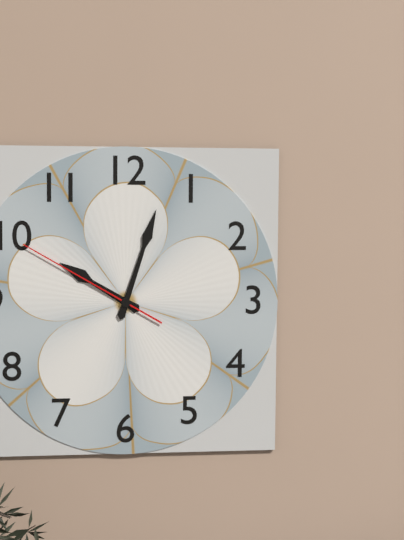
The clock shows {"hour": 10, "minute": 3, "second": 50}
